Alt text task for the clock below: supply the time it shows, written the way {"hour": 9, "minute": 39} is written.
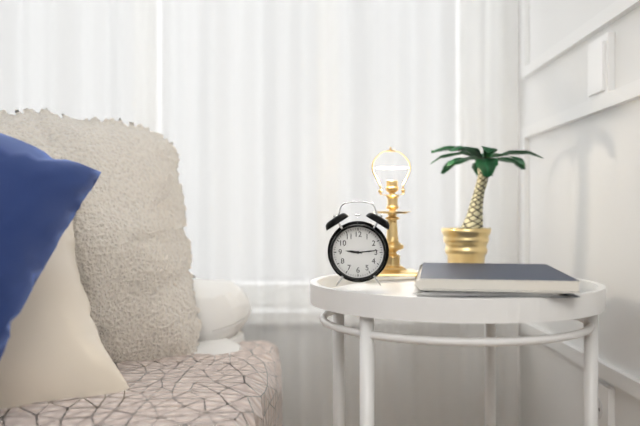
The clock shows {"hour": 9, "minute": 14}
